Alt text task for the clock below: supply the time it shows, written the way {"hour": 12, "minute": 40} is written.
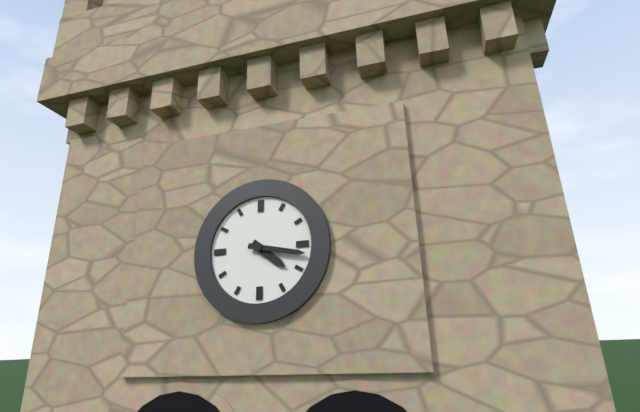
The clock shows {"hour": 4, "minute": 17}
